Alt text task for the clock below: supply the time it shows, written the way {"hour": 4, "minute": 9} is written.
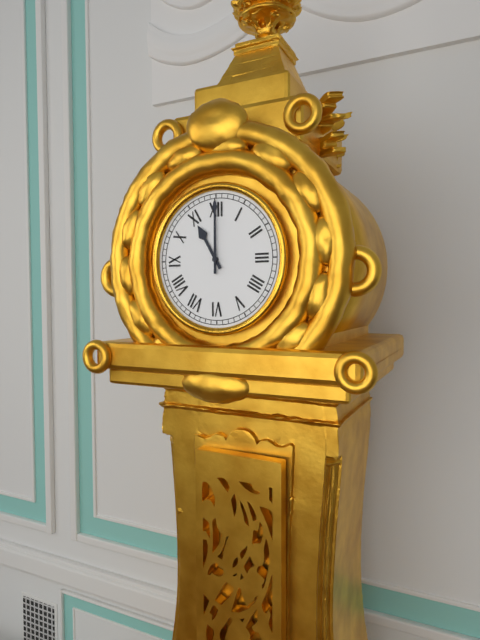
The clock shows {"hour": 11, "minute": 0}
